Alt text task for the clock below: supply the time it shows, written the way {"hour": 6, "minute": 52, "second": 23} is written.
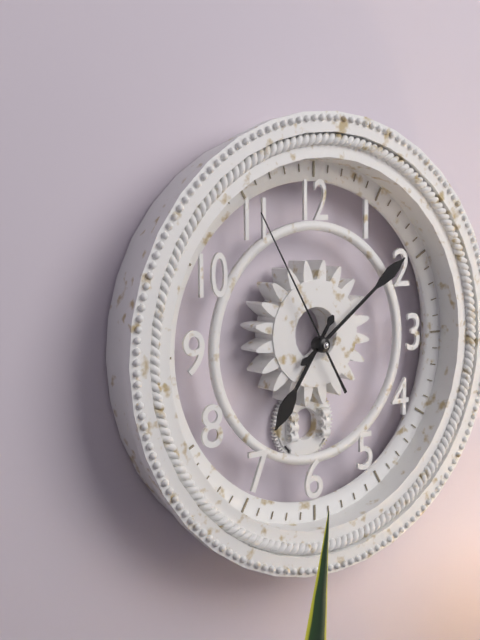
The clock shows {"hour": 7, "minute": 9, "second": 55}
